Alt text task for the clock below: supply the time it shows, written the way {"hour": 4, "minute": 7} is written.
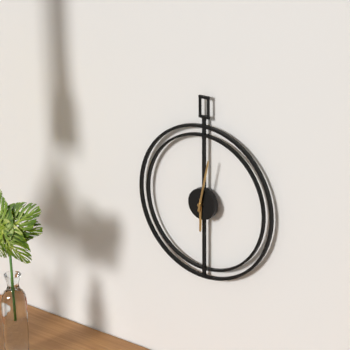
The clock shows {"hour": 6, "minute": 2}
